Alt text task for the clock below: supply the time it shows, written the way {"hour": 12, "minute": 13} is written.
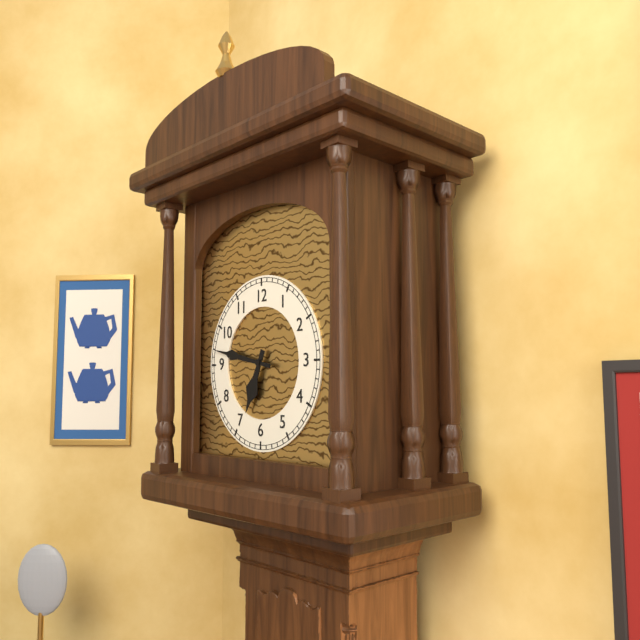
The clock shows {"hour": 6, "minute": 47}
